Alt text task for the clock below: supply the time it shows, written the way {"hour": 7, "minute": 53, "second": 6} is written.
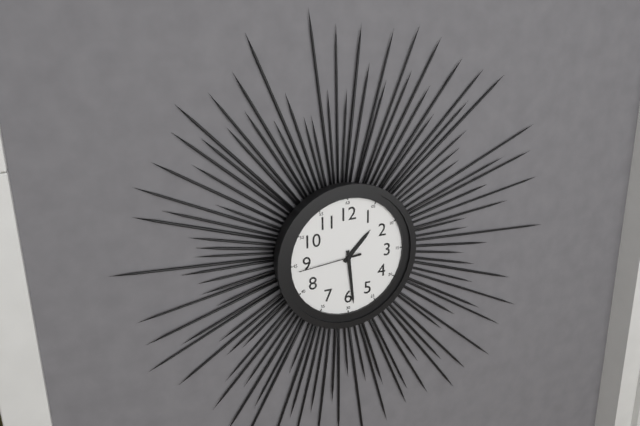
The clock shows {"hour": 1, "minute": 29, "second": 44}
